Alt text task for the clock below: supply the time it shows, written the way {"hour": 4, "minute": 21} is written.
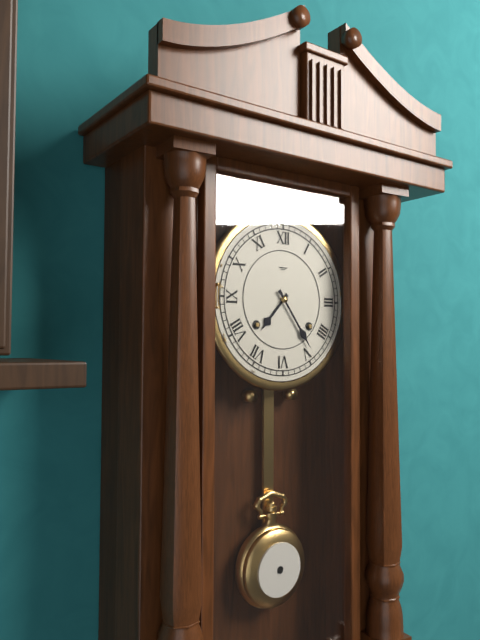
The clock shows {"hour": 7, "minute": 24}
